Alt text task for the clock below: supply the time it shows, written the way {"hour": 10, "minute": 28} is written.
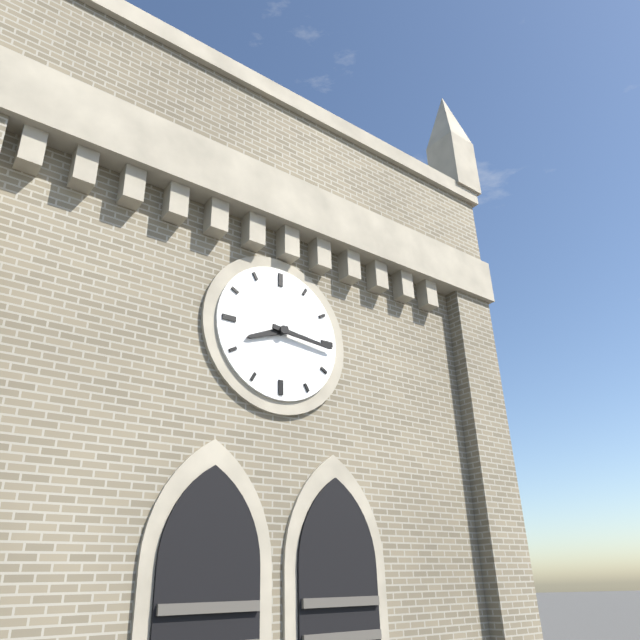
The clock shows {"hour": 8, "minute": 16}
